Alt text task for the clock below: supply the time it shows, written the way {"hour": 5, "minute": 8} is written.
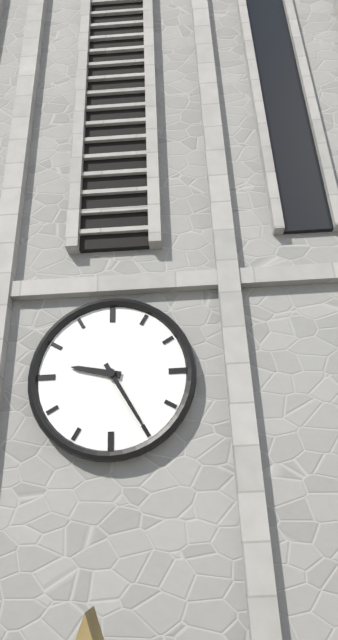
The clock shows {"hour": 9, "minute": 25}
